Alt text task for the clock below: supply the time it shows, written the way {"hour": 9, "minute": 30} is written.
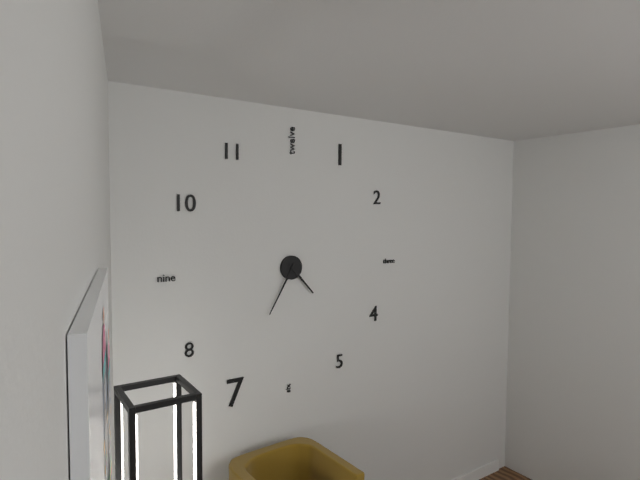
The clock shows {"hour": 4, "minute": 35}
